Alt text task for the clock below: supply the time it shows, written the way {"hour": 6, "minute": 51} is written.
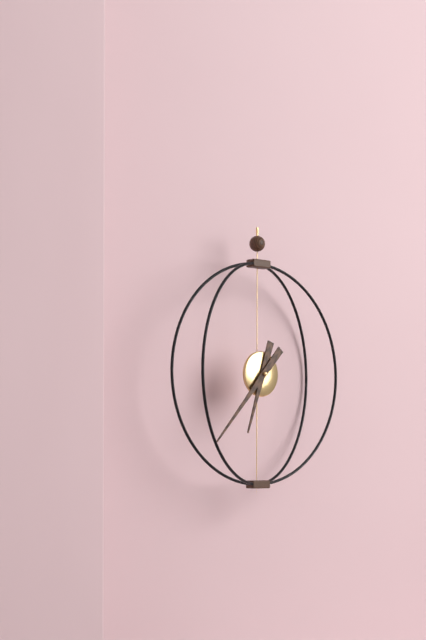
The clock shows {"hour": 6, "minute": 37}
